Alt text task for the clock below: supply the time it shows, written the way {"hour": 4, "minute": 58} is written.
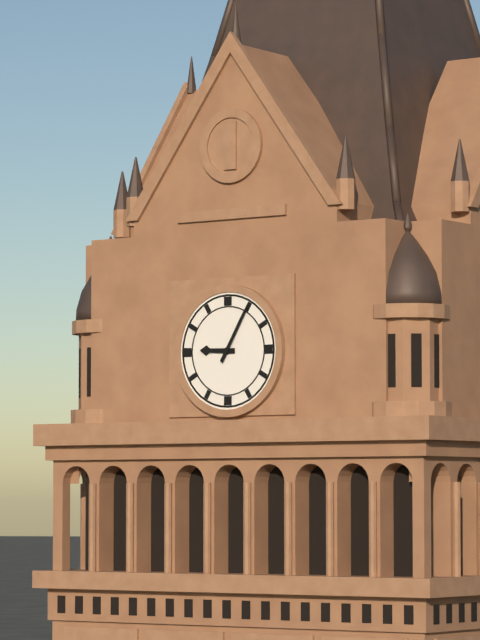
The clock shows {"hour": 9, "minute": 5}
